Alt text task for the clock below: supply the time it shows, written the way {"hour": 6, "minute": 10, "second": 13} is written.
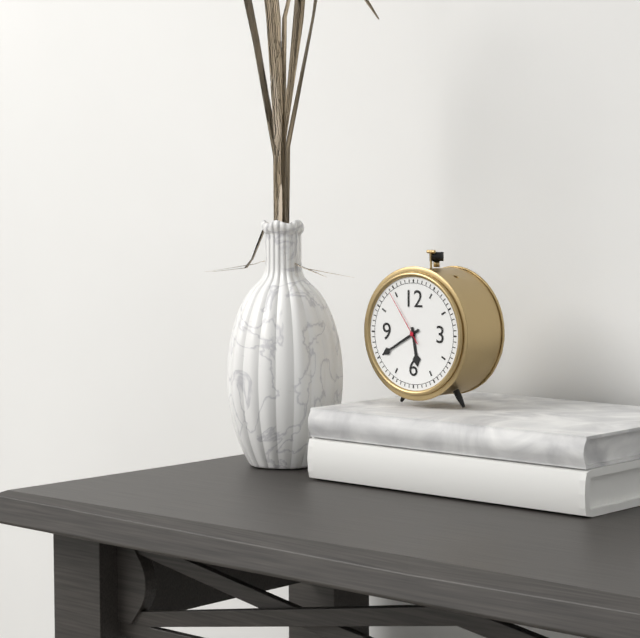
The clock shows {"hour": 5, "minute": 40, "second": 54}
